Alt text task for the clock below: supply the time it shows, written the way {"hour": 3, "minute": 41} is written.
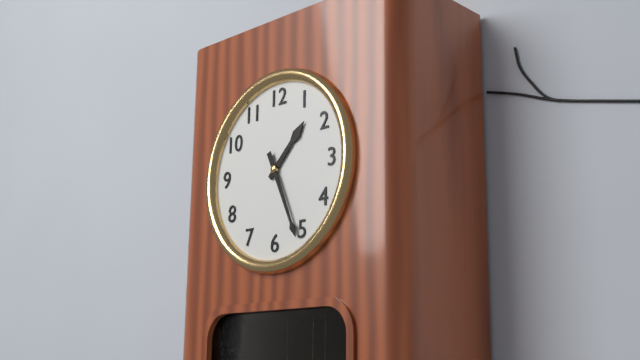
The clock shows {"hour": 1, "minute": 26}
